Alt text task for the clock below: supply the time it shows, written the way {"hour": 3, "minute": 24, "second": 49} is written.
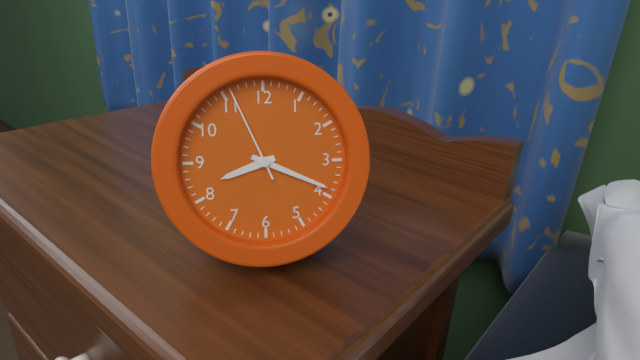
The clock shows {"hour": 8, "minute": 19, "second": 56}
